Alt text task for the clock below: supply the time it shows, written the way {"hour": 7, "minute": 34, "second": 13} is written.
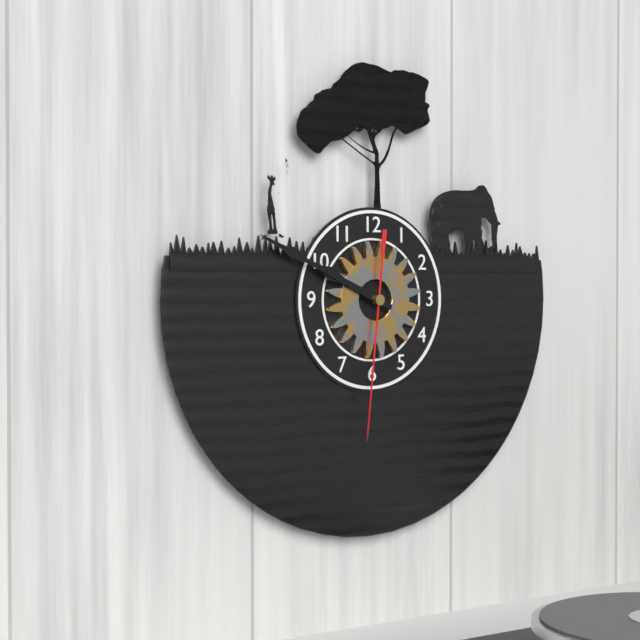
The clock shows {"hour": 9, "minute": 49, "second": 31}
